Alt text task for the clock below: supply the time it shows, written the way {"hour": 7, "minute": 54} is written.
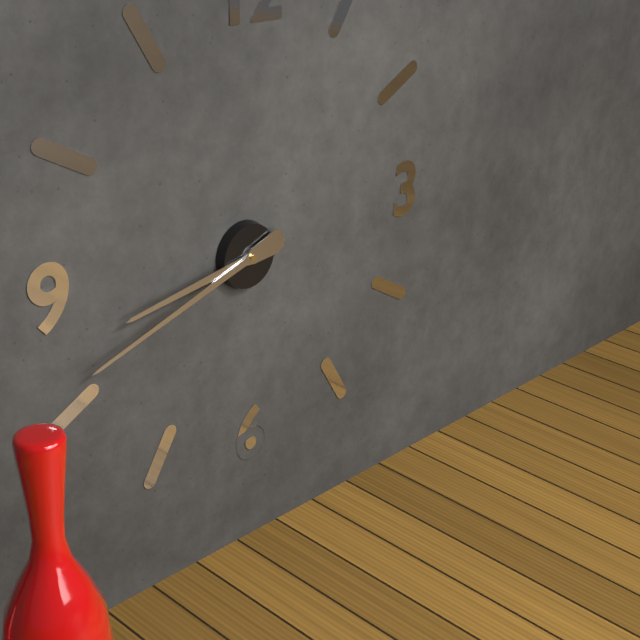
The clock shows {"hour": 8, "minute": 42}
